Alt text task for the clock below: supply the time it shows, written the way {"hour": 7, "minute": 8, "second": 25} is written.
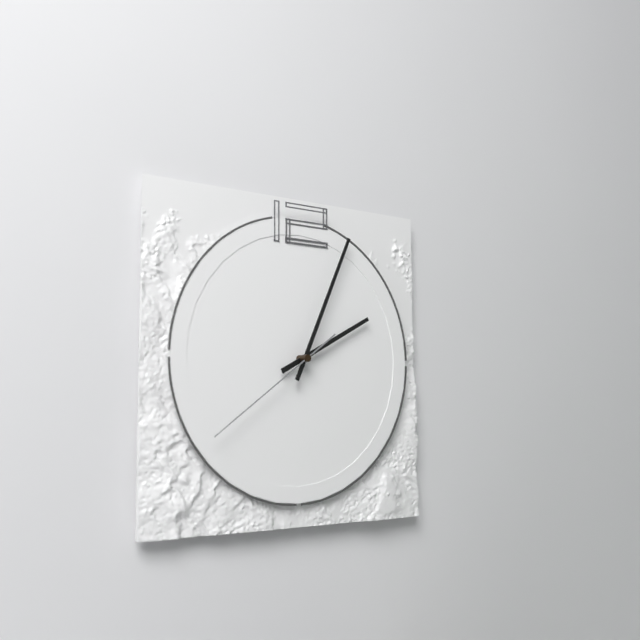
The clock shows {"hour": 2, "minute": 4, "second": 39}
